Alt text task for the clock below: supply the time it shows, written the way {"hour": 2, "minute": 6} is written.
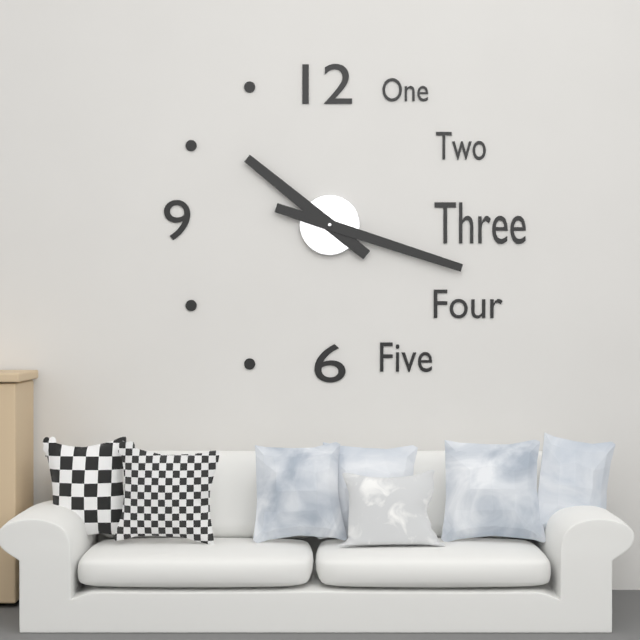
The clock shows {"hour": 10, "minute": 18}
